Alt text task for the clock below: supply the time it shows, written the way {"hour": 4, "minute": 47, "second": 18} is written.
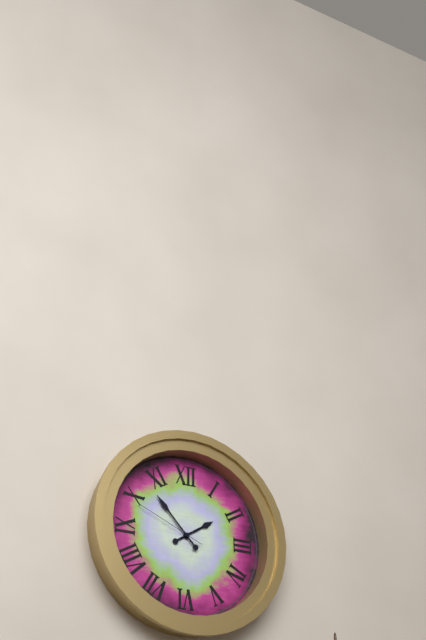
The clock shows {"hour": 1, "minute": 53, "second": 49}
